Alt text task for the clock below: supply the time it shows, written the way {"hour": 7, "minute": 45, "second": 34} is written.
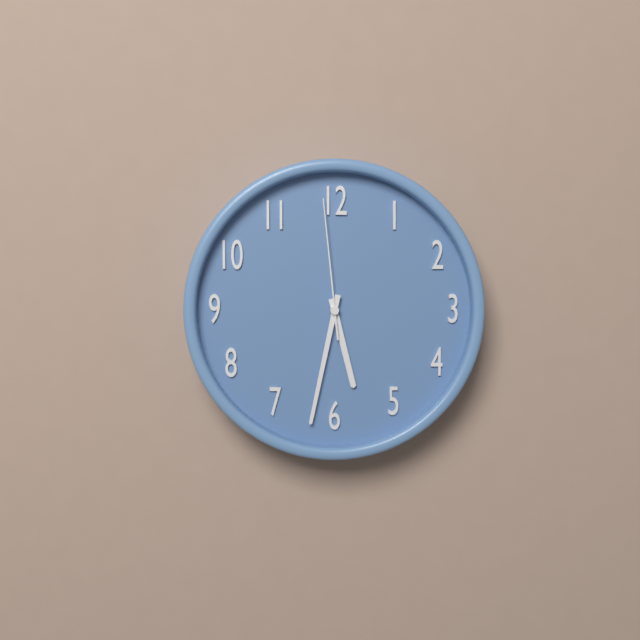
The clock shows {"hour": 5, "minute": 32, "second": 59}
